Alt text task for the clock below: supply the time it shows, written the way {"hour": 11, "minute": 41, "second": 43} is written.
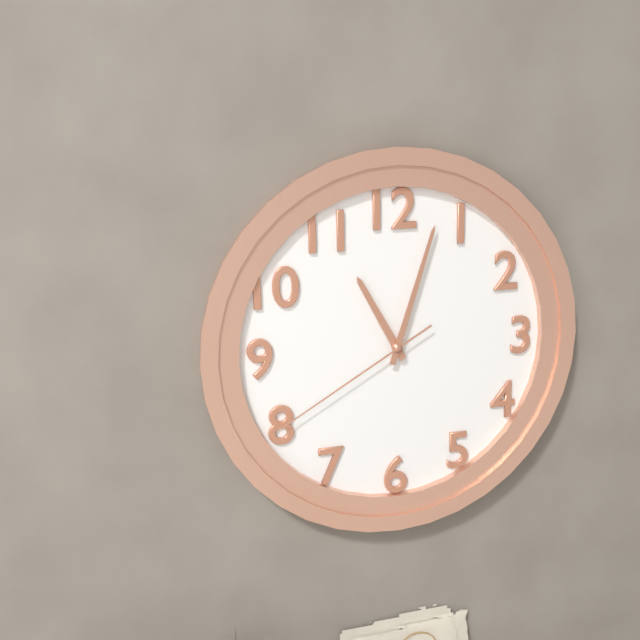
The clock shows {"hour": 11, "minute": 3, "second": 40}
